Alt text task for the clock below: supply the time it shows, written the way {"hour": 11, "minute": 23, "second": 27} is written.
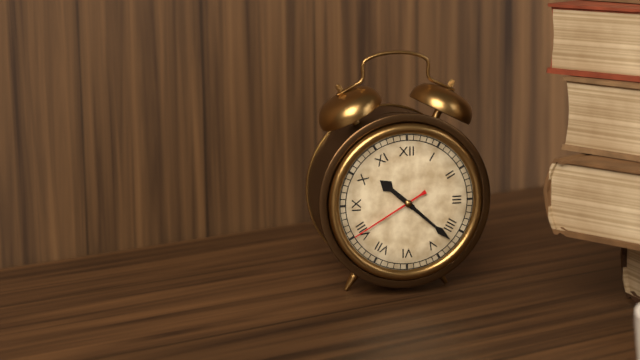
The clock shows {"hour": 10, "minute": 22, "second": 40}
